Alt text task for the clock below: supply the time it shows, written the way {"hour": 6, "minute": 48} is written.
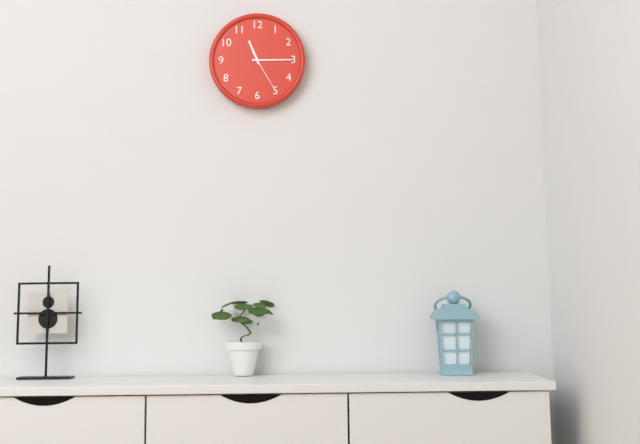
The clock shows {"hour": 11, "minute": 15}
